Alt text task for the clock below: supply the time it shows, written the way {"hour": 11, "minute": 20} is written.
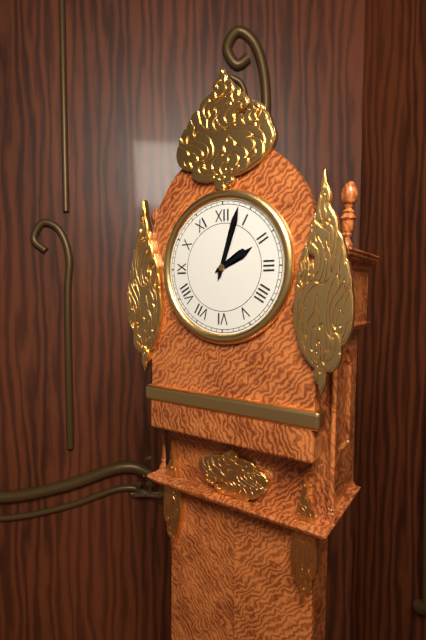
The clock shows {"hour": 2, "minute": 3}
